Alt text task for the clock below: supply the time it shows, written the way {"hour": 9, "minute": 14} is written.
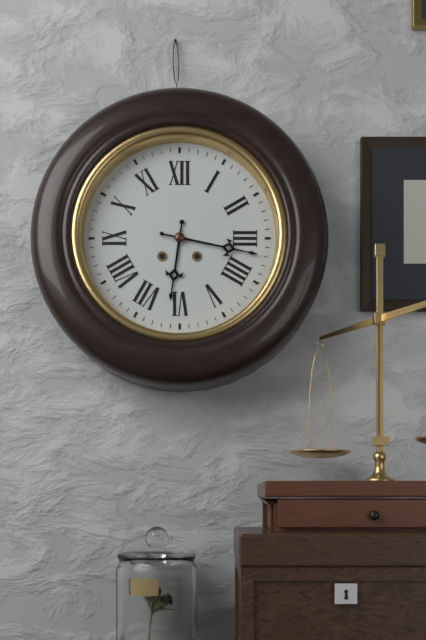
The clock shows {"hour": 6, "minute": 17}
